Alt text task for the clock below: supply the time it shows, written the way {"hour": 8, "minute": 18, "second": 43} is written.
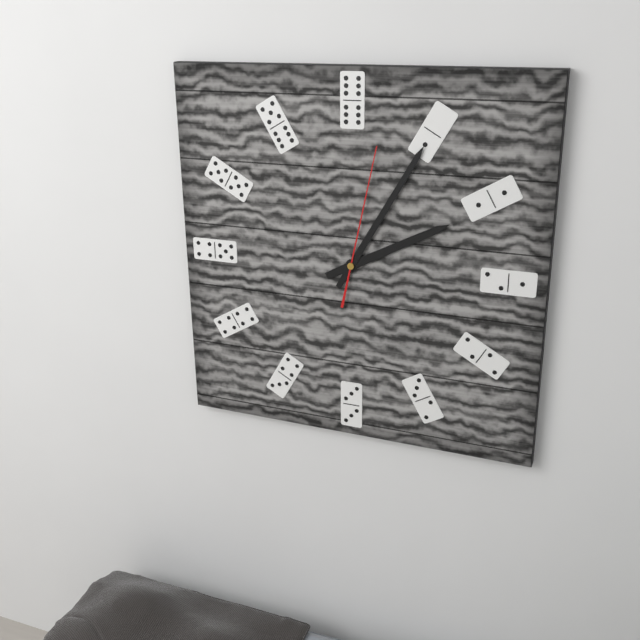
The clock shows {"hour": 2, "minute": 5, "second": 2}
